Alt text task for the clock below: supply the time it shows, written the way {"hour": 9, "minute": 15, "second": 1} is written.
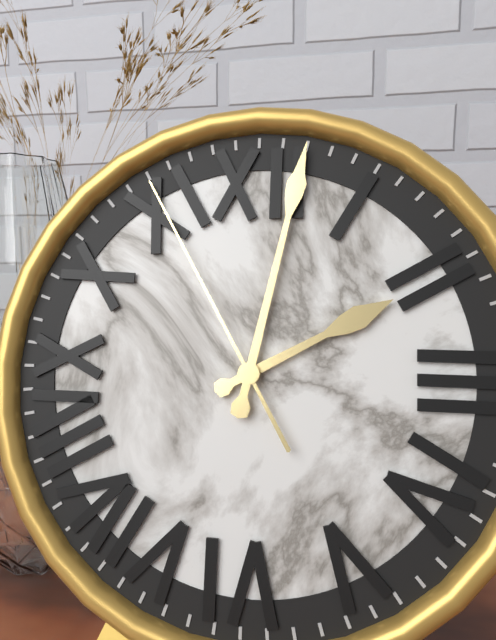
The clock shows {"hour": 2, "minute": 2, "second": 55}
